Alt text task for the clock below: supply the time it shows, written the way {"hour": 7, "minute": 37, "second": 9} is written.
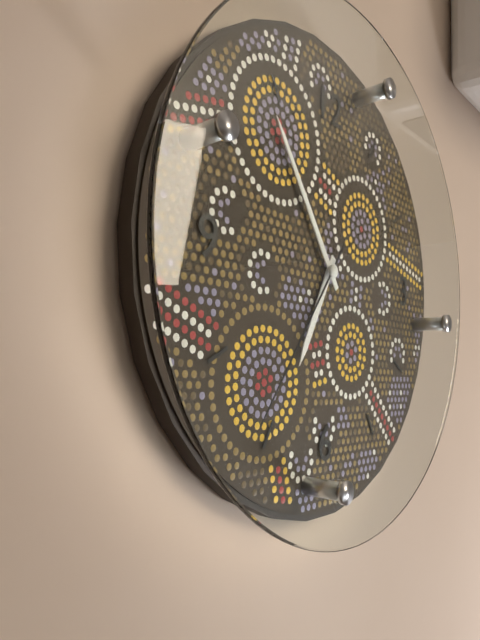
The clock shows {"hour": 6, "minute": 54, "second": 36}
